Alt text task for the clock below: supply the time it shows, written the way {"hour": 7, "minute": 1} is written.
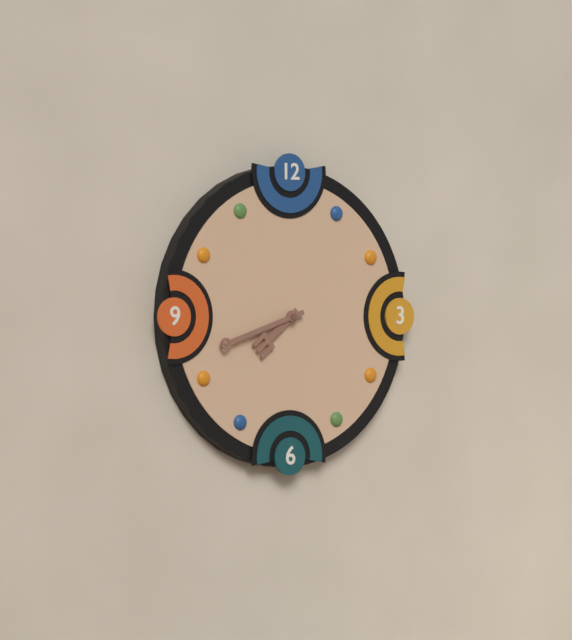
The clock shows {"hour": 7, "minute": 42}
